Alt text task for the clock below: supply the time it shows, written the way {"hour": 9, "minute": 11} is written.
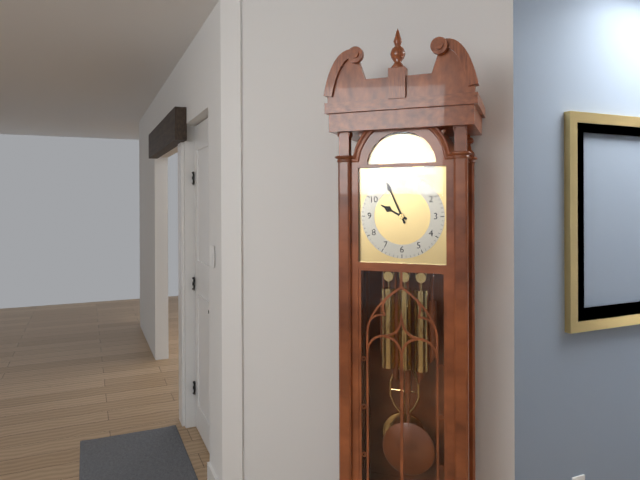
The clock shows {"hour": 9, "minute": 56}
